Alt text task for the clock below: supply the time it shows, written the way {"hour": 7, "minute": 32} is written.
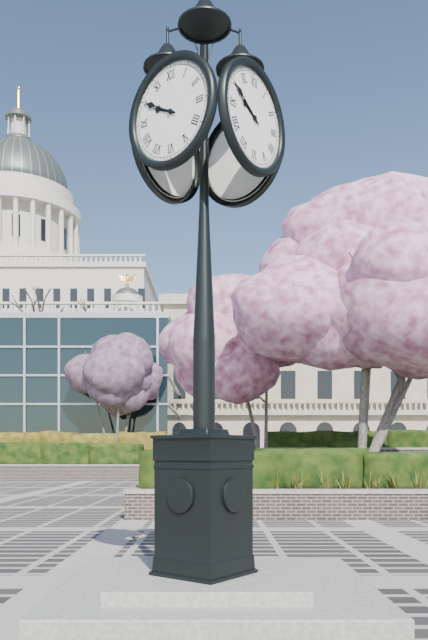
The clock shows {"hour": 9, "minute": 50}
